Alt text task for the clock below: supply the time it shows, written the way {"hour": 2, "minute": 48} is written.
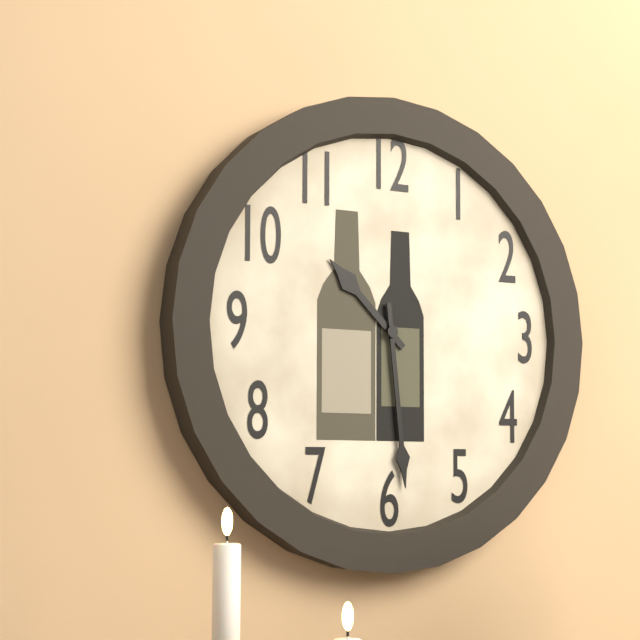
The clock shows {"hour": 10, "minute": 29}
